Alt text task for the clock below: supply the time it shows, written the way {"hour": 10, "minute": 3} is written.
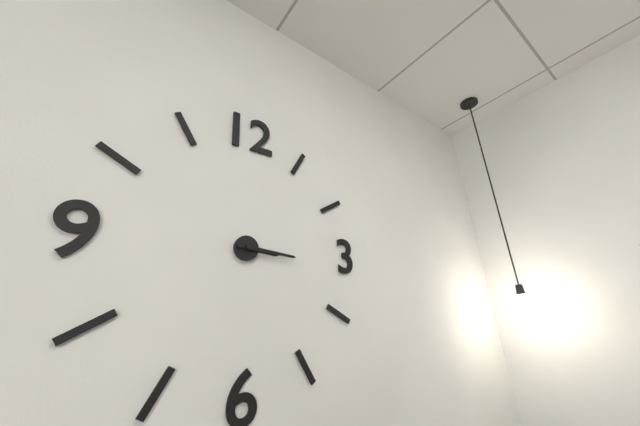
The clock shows {"hour": 3, "minute": 16}
